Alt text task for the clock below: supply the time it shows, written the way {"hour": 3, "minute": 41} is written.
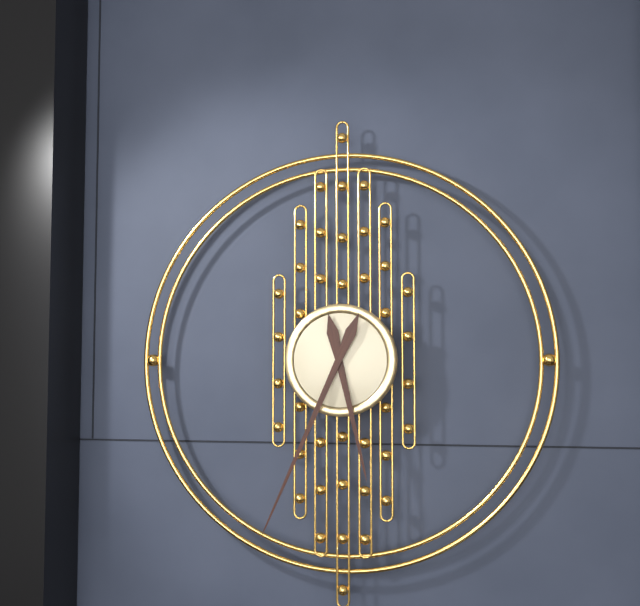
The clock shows {"hour": 5, "minute": 34}
